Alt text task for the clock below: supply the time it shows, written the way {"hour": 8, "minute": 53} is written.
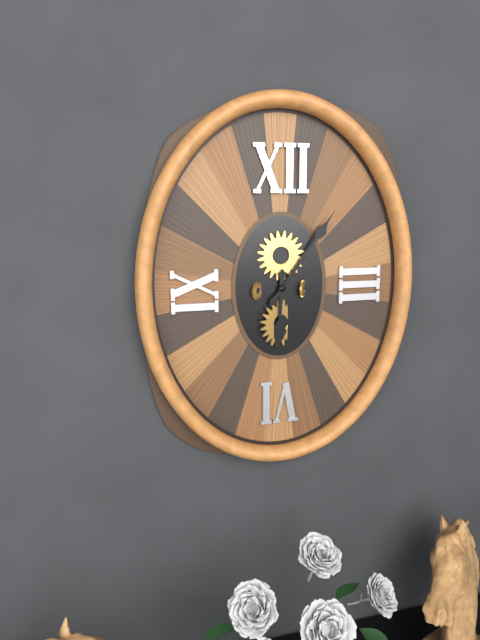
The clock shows {"hour": 6, "minute": 6}
